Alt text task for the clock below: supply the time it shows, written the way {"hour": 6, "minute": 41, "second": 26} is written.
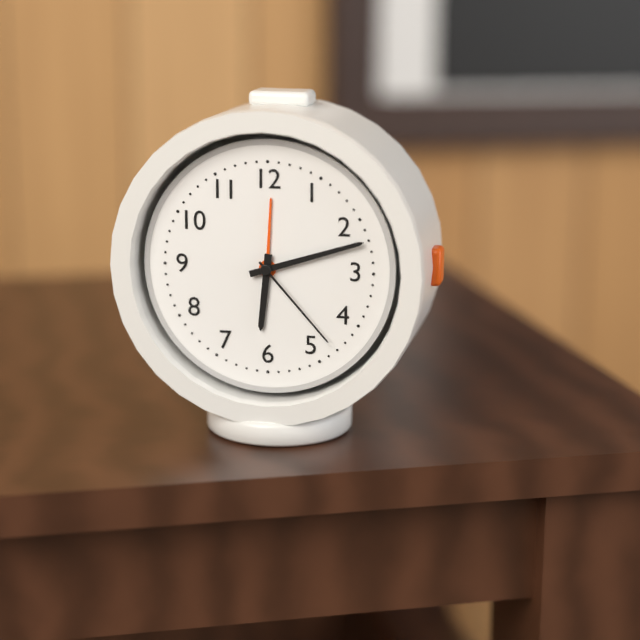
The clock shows {"hour": 6, "minute": 12, "second": 23}
